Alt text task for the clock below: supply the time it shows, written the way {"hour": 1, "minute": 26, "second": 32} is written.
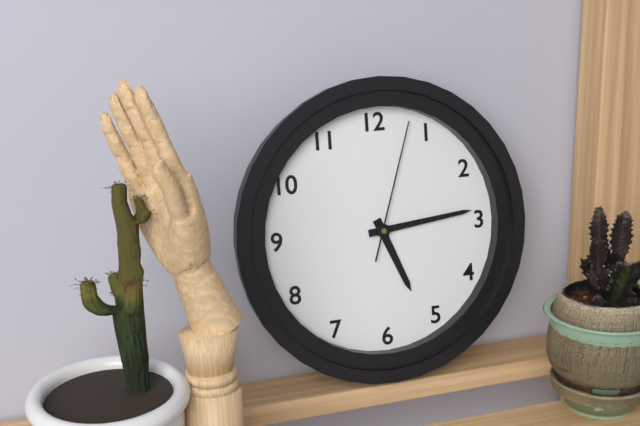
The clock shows {"hour": 5, "minute": 14, "second": 3}
